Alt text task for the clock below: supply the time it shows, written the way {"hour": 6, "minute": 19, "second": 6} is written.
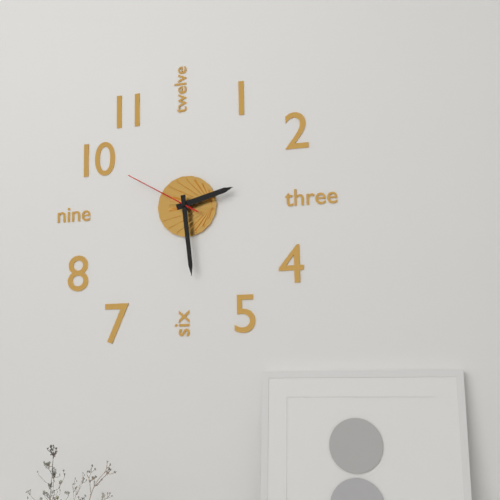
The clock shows {"hour": 2, "minute": 29, "second": 50}
